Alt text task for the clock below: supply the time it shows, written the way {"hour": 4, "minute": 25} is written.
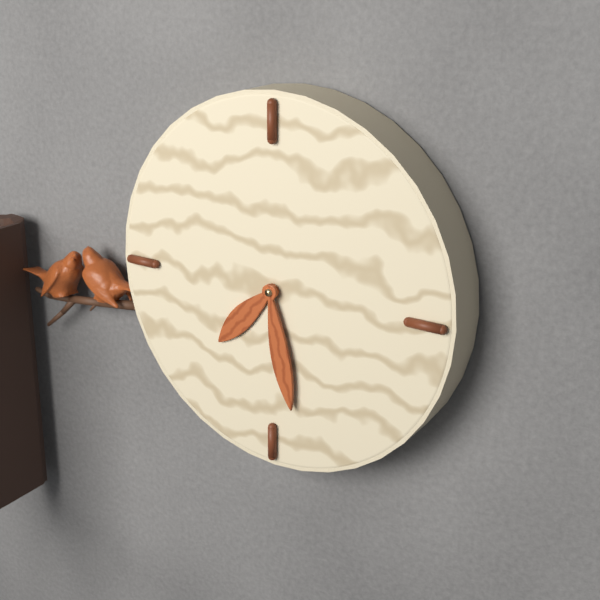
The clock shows {"hour": 7, "minute": 28}
